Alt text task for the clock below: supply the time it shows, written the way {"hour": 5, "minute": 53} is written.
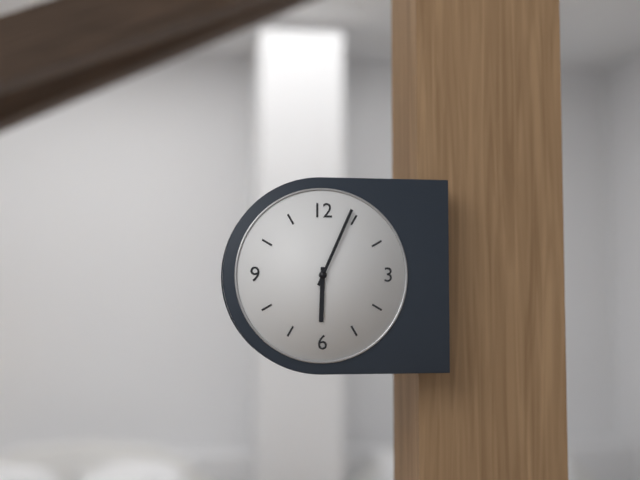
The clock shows {"hour": 6, "minute": 4}
